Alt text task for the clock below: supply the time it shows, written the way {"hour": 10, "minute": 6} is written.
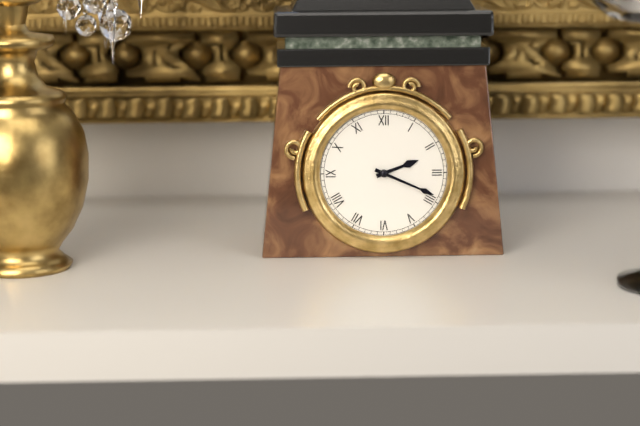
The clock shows {"hour": 2, "minute": 19}
